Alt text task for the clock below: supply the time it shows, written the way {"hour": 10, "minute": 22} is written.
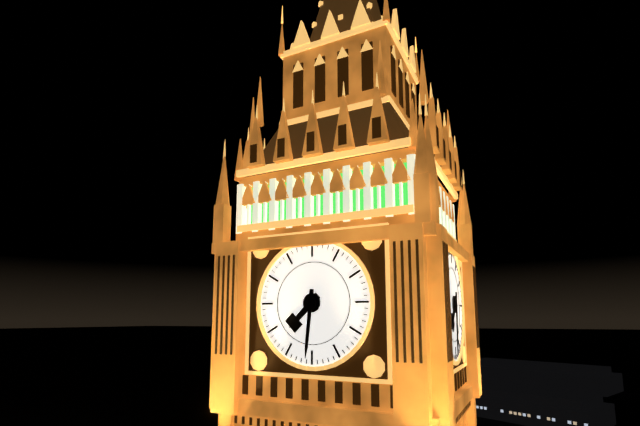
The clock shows {"hour": 7, "minute": 31}
